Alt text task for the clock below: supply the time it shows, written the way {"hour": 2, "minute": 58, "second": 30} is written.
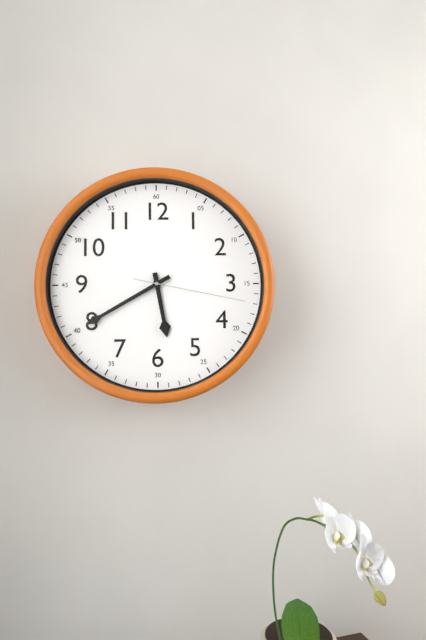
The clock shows {"hour": 5, "minute": 40, "second": 17}
